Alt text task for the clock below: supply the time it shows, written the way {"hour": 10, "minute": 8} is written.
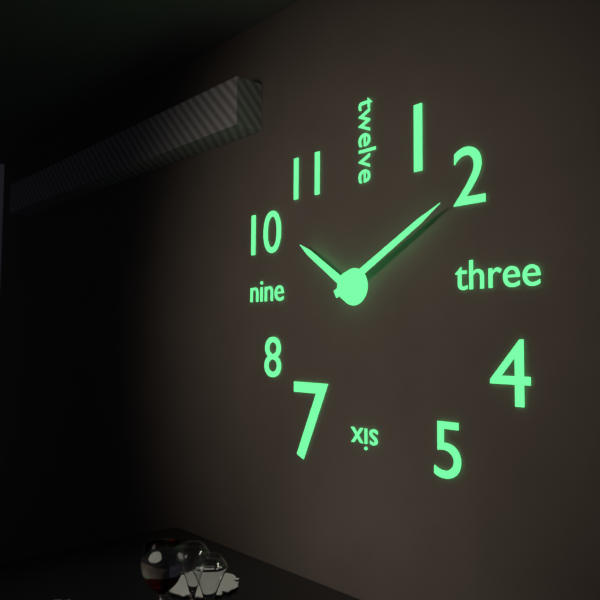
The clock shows {"hour": 10, "minute": 10}
